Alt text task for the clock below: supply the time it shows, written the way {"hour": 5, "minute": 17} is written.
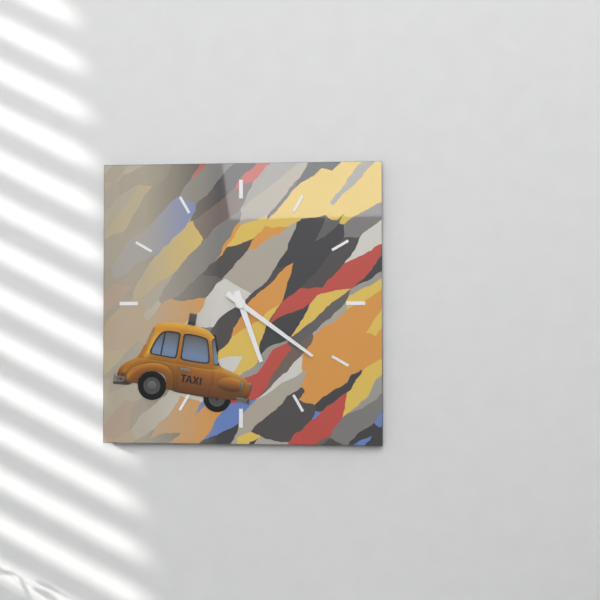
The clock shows {"hour": 5, "minute": 21}
